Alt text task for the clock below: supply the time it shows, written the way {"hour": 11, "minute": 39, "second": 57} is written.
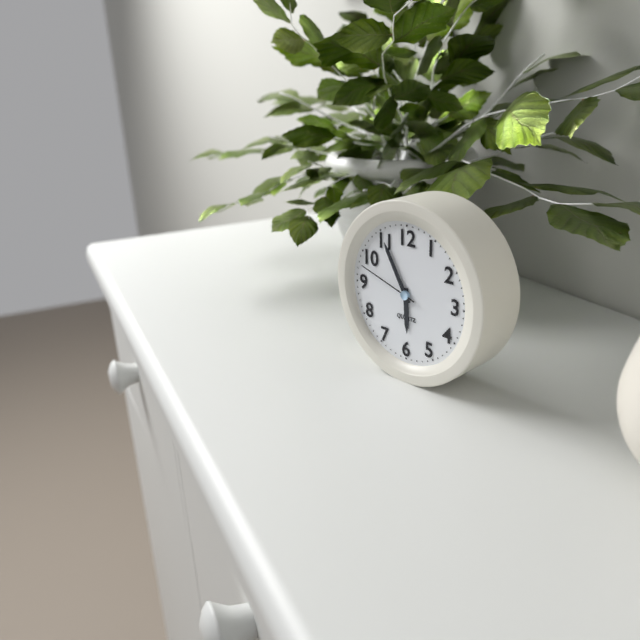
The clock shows {"hour": 5, "minute": 55, "second": 48}
